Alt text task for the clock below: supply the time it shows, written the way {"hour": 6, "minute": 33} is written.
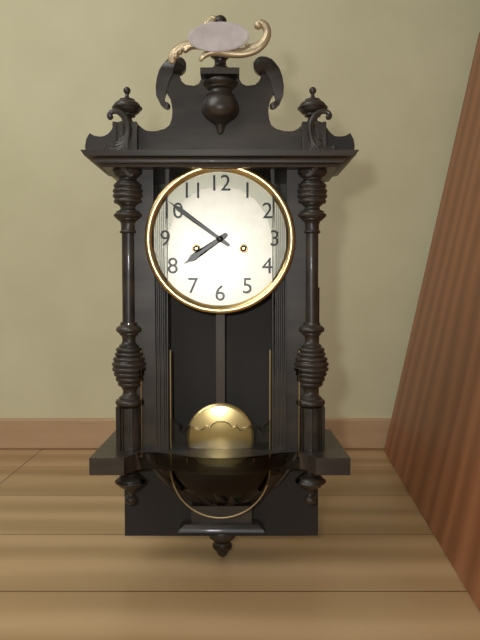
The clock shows {"hour": 7, "minute": 51}
